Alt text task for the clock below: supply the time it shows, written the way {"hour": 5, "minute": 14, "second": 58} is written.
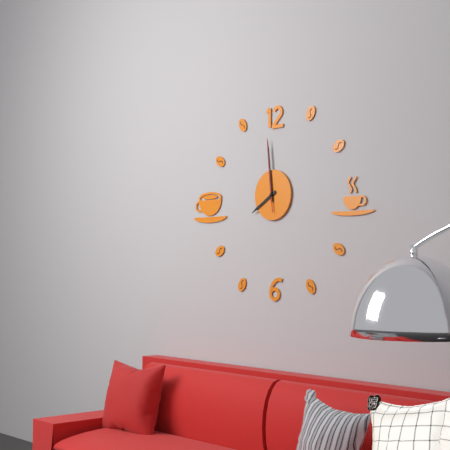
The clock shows {"hour": 7, "minute": 59, "second": 59}
